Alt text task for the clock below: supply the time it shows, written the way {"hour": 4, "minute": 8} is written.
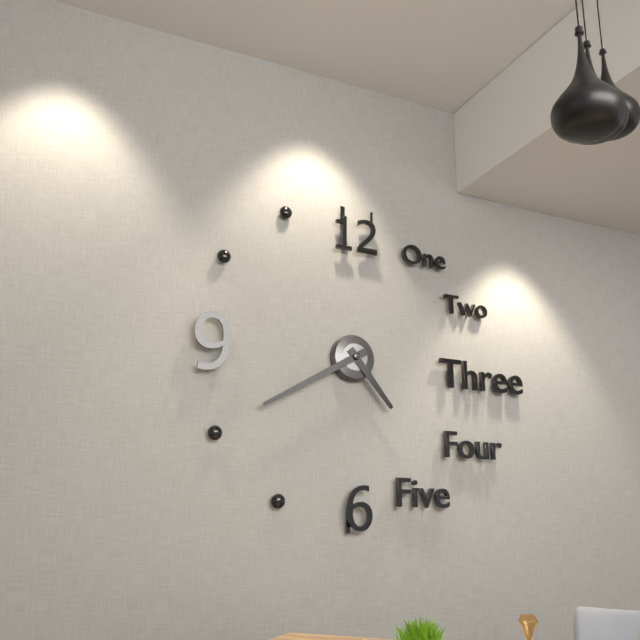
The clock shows {"hour": 4, "minute": 40}
